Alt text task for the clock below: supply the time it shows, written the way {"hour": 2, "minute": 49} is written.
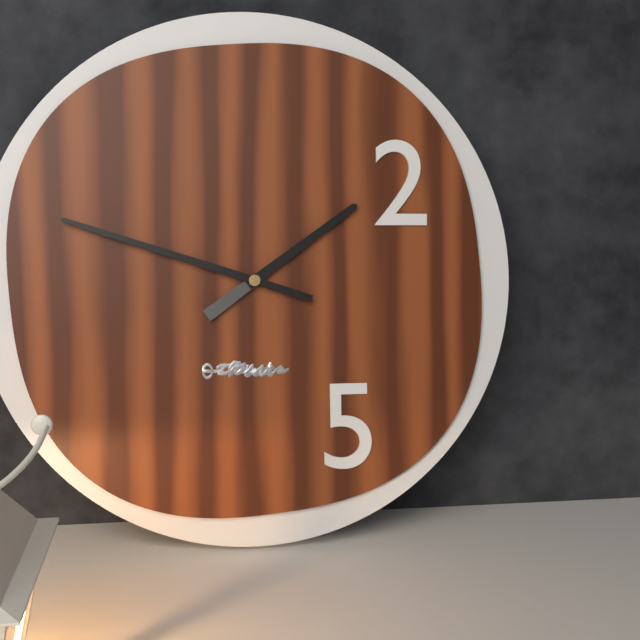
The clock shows {"hour": 1, "minute": 48}
